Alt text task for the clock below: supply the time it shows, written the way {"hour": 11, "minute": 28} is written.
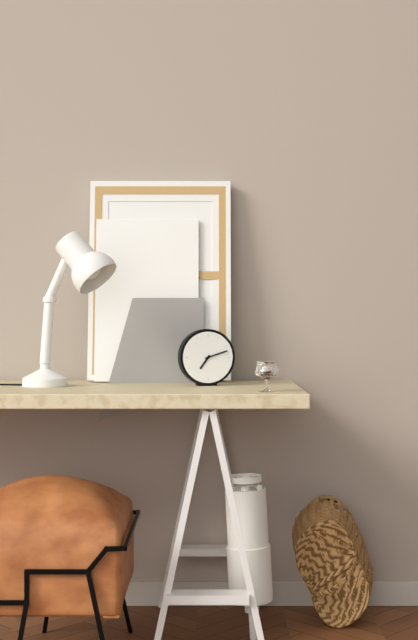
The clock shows {"hour": 7, "minute": 12}
